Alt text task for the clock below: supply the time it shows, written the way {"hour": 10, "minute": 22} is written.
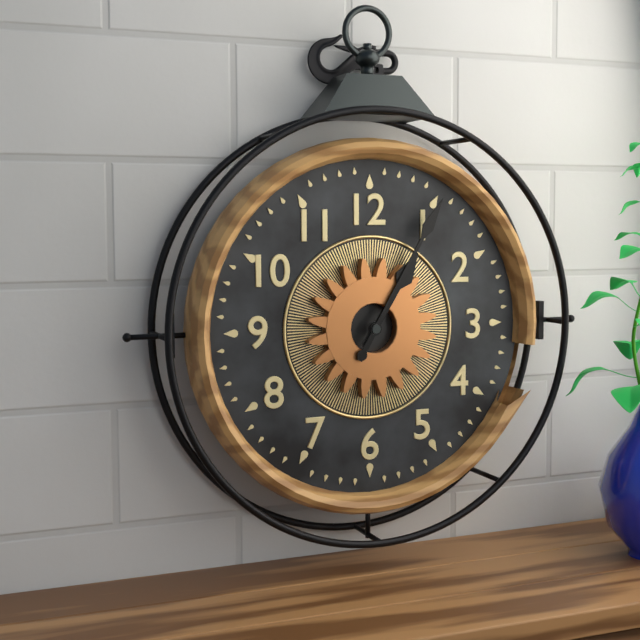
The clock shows {"hour": 1, "minute": 5}
